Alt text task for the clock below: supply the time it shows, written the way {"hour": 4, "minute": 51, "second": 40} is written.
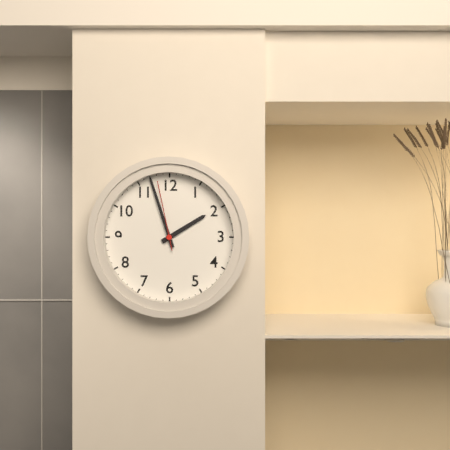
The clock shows {"hour": 1, "minute": 57, "second": 58}
